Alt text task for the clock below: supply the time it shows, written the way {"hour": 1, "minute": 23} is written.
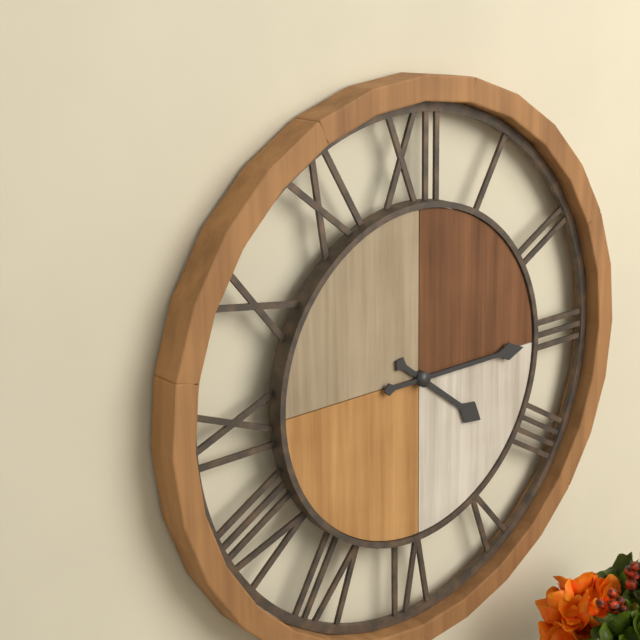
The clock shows {"hour": 4, "minute": 15}
